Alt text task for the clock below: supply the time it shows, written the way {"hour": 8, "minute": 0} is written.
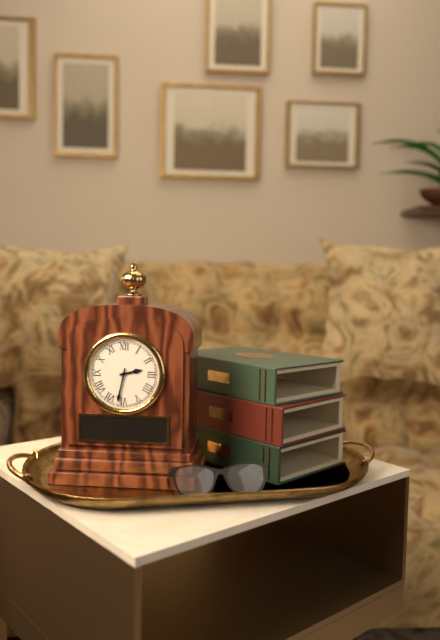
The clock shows {"hour": 2, "minute": 32}
